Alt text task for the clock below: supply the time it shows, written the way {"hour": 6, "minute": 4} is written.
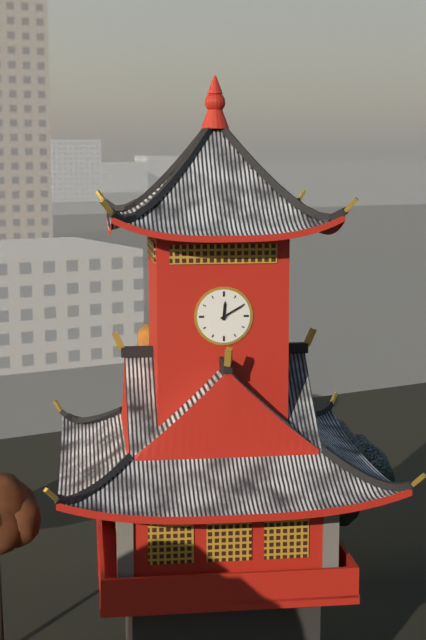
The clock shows {"hour": 12, "minute": 10}
